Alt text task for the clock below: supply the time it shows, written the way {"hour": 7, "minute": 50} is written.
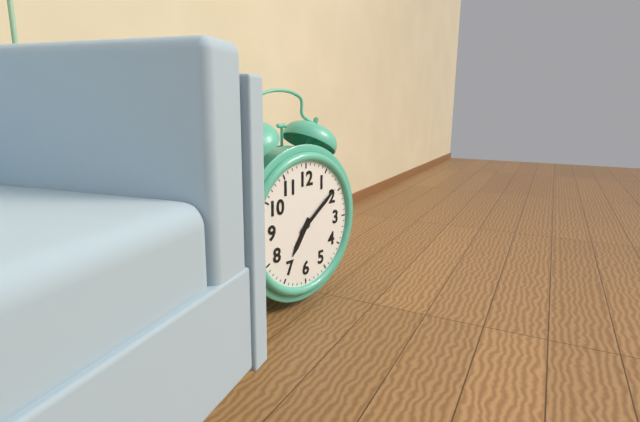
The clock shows {"hour": 7, "minute": 9}
